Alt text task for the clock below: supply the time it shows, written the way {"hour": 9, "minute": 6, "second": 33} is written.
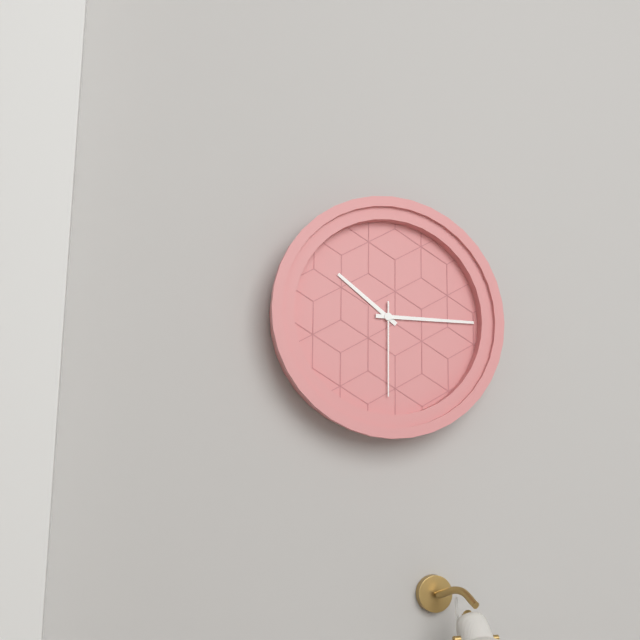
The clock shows {"hour": 10, "minute": 15, "second": 30}
